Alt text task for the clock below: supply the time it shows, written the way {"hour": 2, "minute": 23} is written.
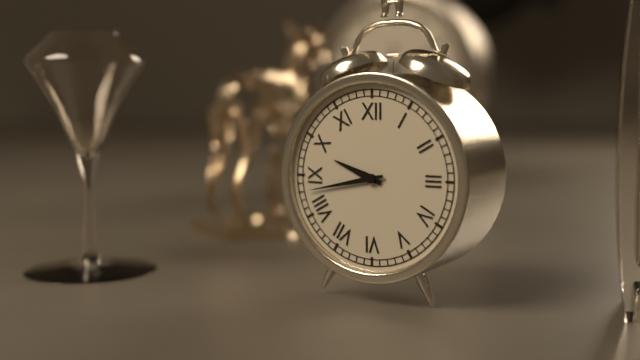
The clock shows {"hour": 9, "minute": 43}
